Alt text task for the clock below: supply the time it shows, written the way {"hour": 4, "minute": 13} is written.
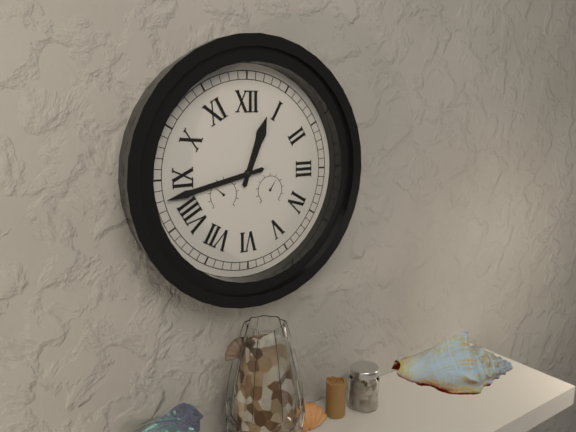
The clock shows {"hour": 12, "minute": 43}
